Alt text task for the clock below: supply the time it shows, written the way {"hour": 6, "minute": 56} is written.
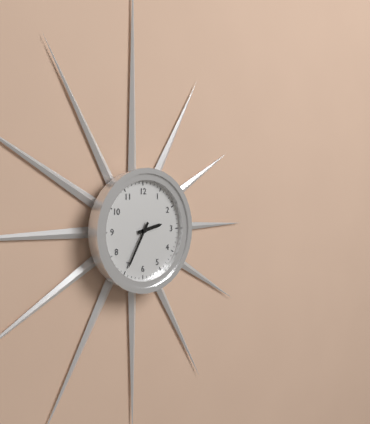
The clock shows {"hour": 2, "minute": 35}
